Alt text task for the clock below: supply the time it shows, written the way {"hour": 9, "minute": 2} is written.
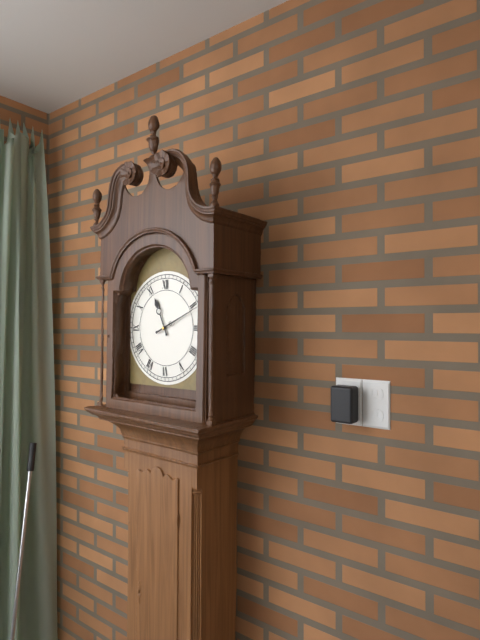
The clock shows {"hour": 11, "minute": 11}
